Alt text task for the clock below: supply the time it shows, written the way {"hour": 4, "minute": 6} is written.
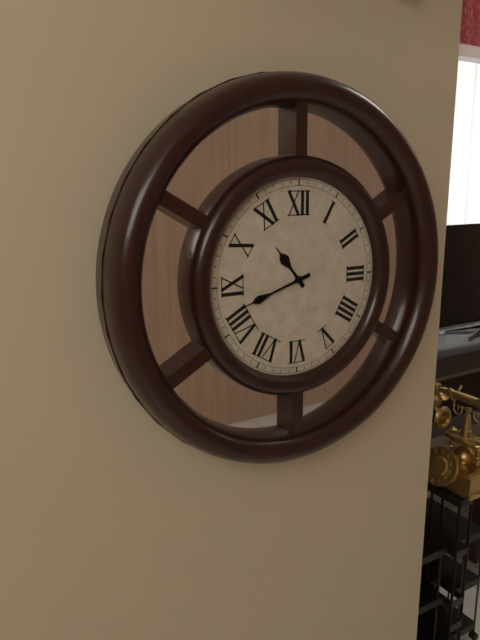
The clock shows {"hour": 10, "minute": 42}
